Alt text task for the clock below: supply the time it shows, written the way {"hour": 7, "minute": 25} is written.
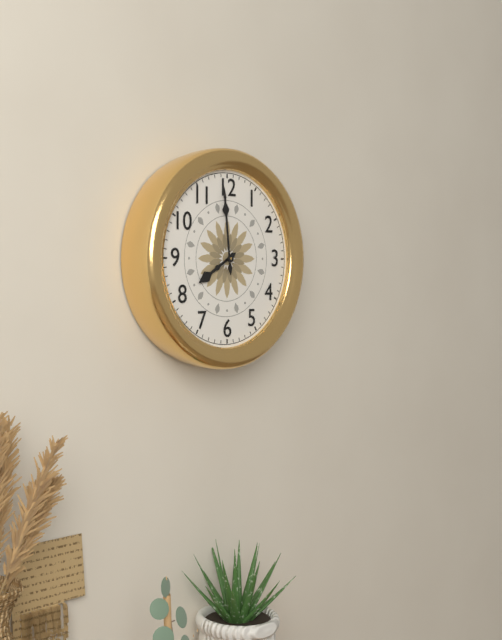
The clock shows {"hour": 7, "minute": 59}
